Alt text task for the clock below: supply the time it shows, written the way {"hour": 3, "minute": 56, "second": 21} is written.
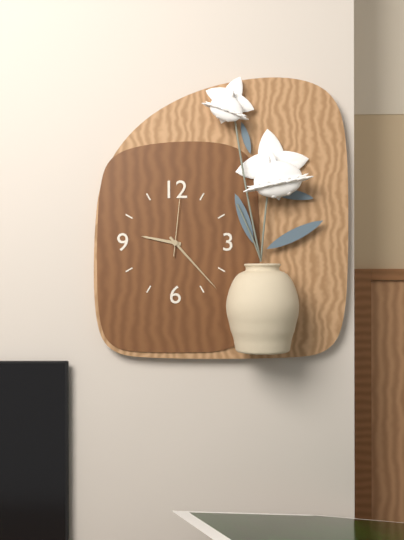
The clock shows {"hour": 9, "minute": 23, "second": 1}
